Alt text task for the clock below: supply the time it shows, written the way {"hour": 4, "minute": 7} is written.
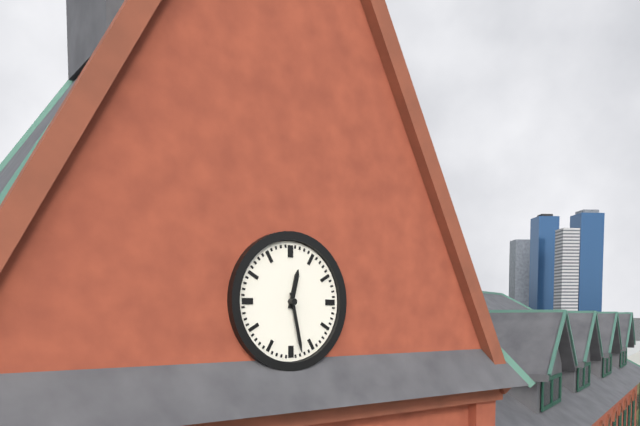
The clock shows {"hour": 12, "minute": 28}
